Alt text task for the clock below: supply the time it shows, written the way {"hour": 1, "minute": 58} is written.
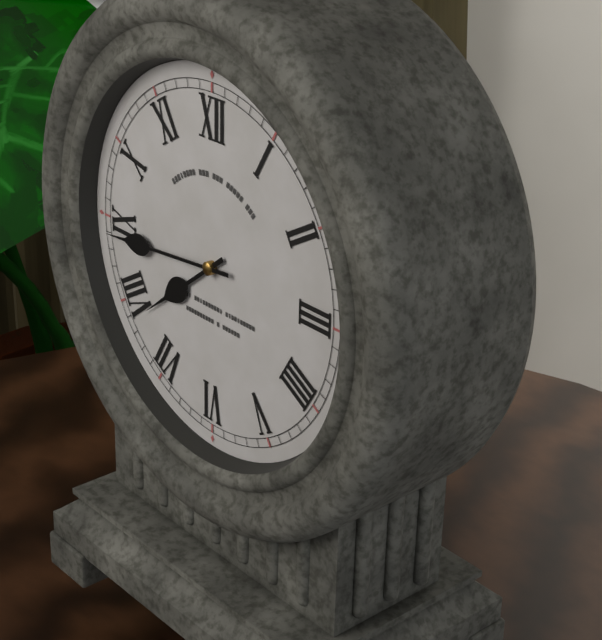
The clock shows {"hour": 7, "minute": 44}
